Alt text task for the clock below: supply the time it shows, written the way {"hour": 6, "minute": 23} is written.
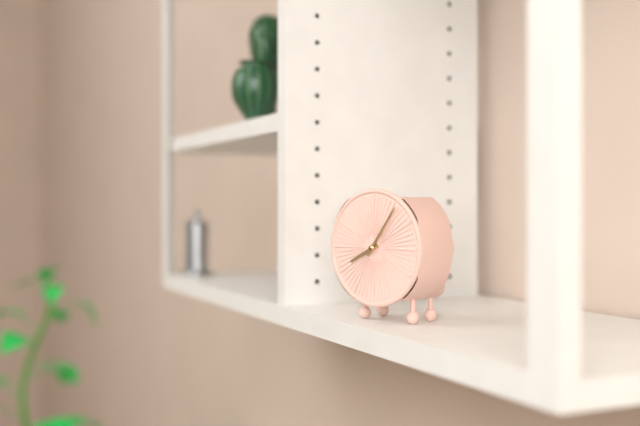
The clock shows {"hour": 8, "minute": 6}
